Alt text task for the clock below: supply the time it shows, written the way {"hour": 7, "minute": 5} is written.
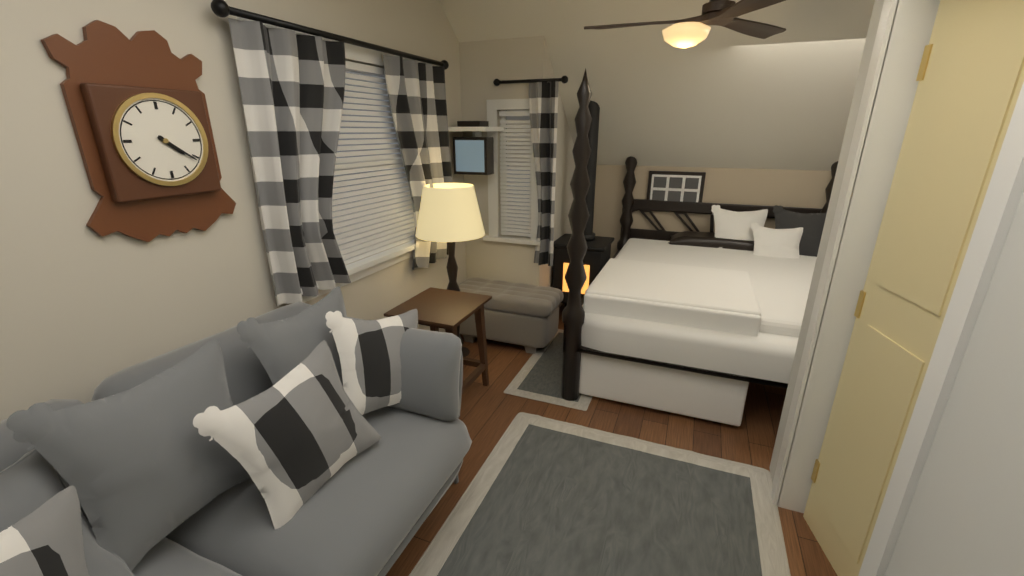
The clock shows {"hour": 4, "minute": 21}
